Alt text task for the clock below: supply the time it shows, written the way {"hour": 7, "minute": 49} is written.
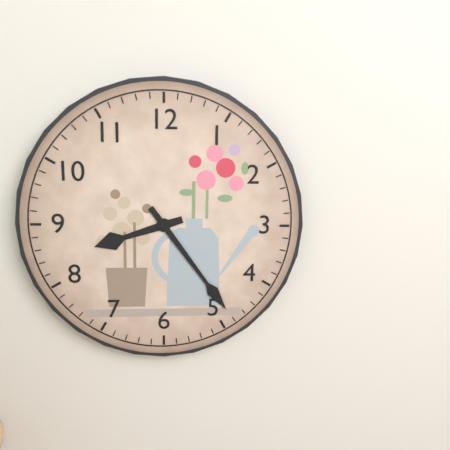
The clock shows {"hour": 8, "minute": 24}
